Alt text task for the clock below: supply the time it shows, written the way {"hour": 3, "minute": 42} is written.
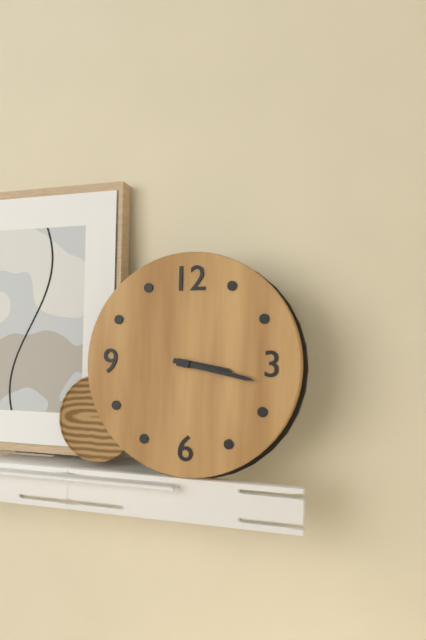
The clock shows {"hour": 3, "minute": 17}
